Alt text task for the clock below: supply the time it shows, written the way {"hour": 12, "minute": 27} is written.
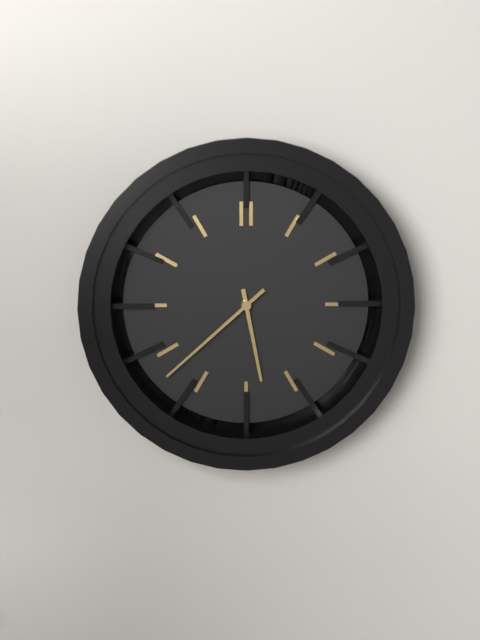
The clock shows {"hour": 5, "minute": 38}
